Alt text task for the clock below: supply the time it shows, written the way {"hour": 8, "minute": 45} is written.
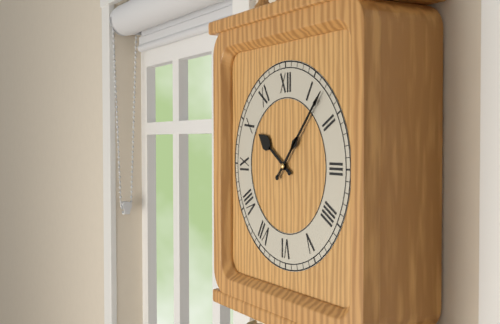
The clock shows {"hour": 10, "minute": 7}
